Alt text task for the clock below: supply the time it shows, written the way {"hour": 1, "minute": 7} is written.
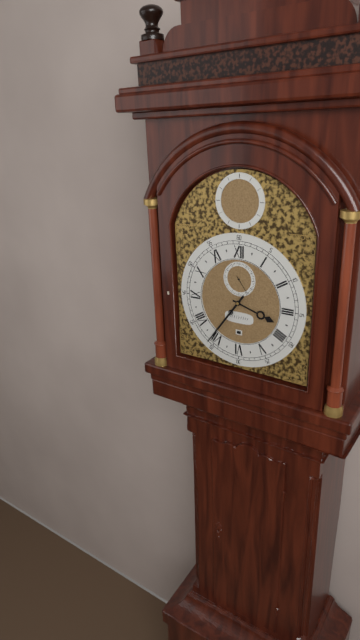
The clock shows {"hour": 3, "minute": 36}
